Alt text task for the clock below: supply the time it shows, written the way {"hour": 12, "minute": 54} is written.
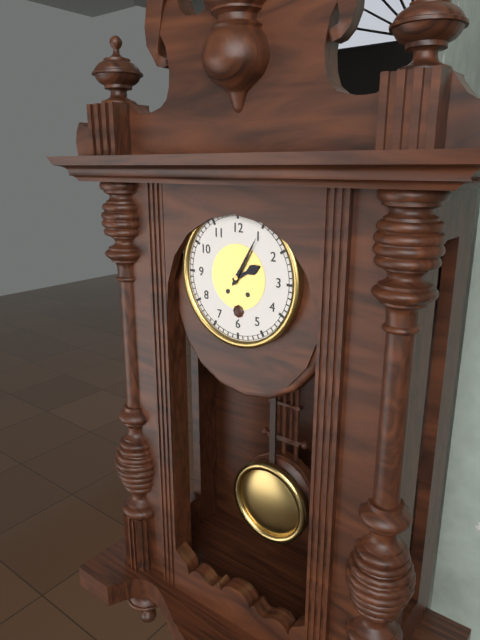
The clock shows {"hour": 2, "minute": 5}
